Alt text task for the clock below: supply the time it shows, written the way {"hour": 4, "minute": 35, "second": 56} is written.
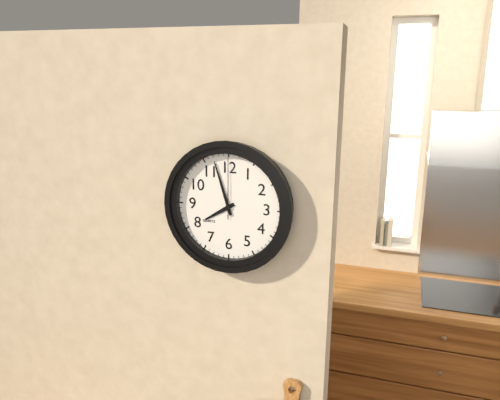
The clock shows {"hour": 7, "minute": 57, "second": 0}
